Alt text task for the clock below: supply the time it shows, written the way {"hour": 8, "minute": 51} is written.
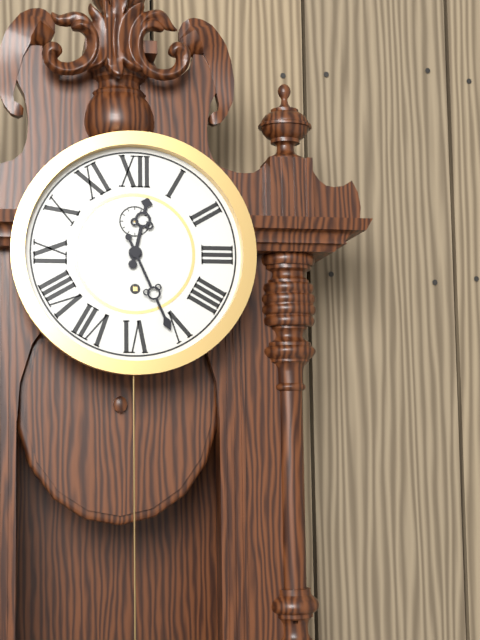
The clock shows {"hour": 12, "minute": 26}
